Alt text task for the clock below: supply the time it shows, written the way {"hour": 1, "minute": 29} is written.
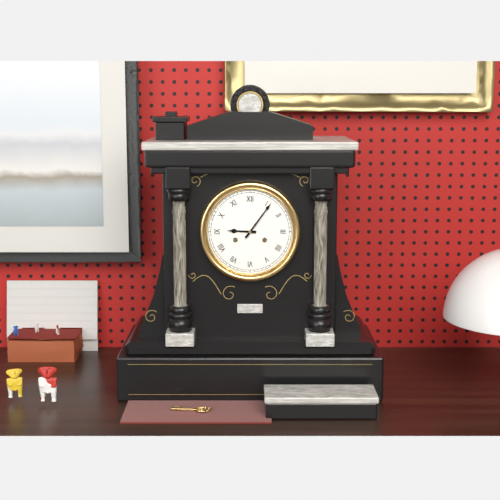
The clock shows {"hour": 9, "minute": 6}
